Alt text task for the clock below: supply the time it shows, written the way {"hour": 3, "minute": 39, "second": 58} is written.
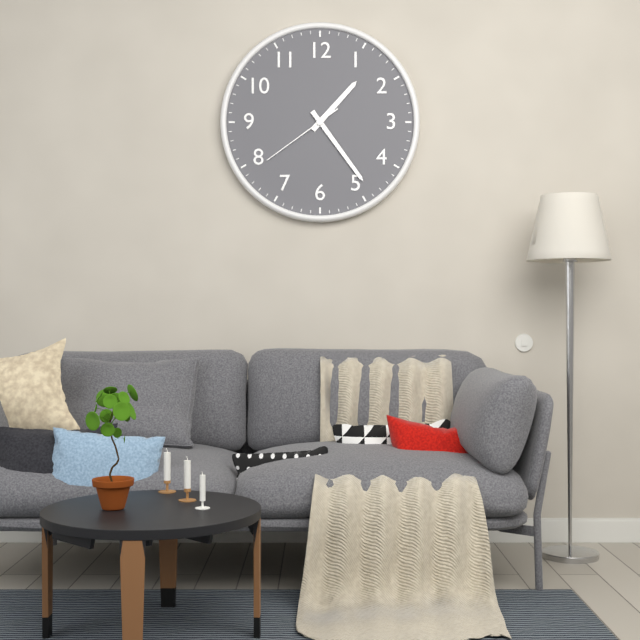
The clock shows {"hour": 1, "minute": 24, "second": 39}
